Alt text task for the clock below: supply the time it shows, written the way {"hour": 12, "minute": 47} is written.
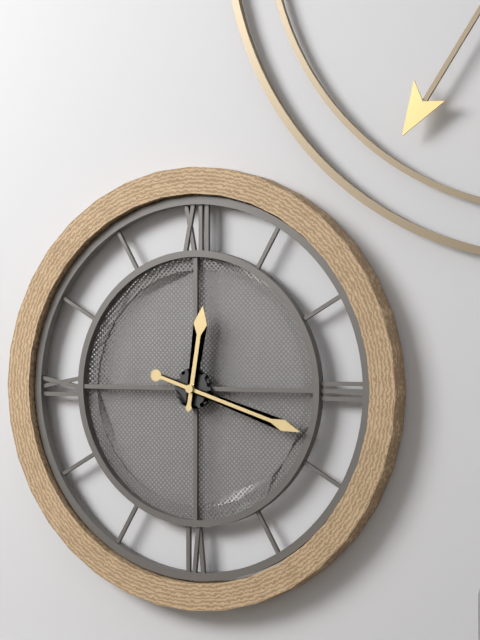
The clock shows {"hour": 12, "minute": 18}
